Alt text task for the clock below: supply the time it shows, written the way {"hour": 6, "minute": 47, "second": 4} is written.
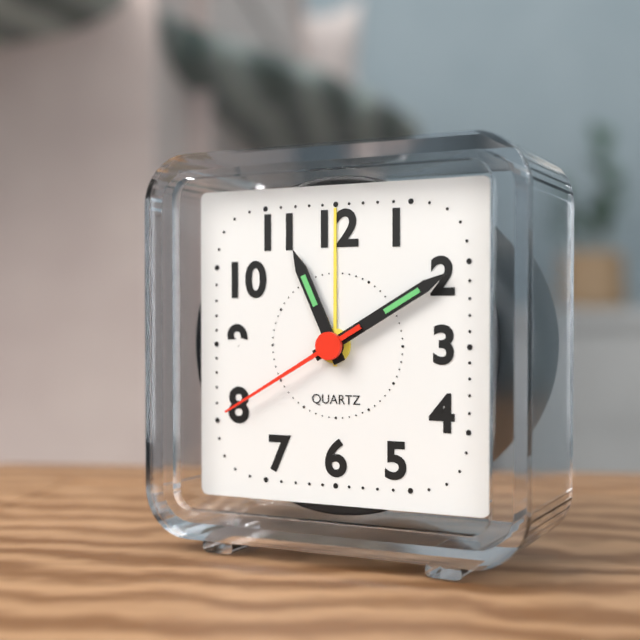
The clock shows {"hour": 11, "minute": 10, "second": 40}
